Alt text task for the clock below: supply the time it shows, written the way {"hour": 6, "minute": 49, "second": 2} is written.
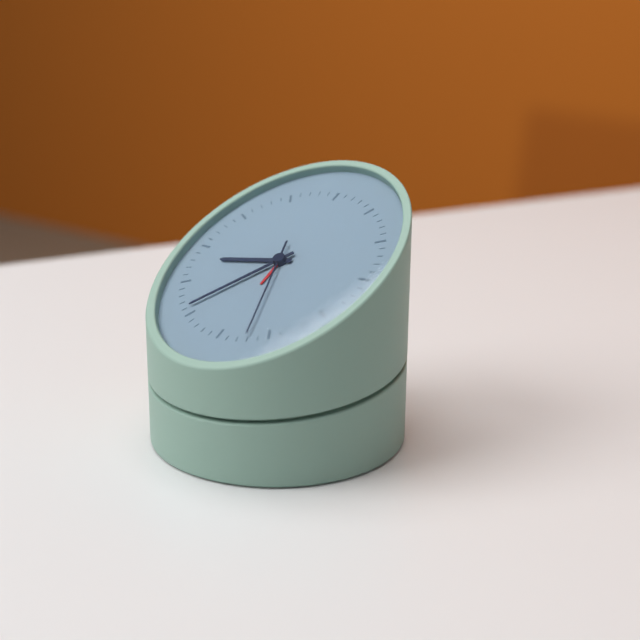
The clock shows {"hour": 8, "minute": 36, "second": 27}
